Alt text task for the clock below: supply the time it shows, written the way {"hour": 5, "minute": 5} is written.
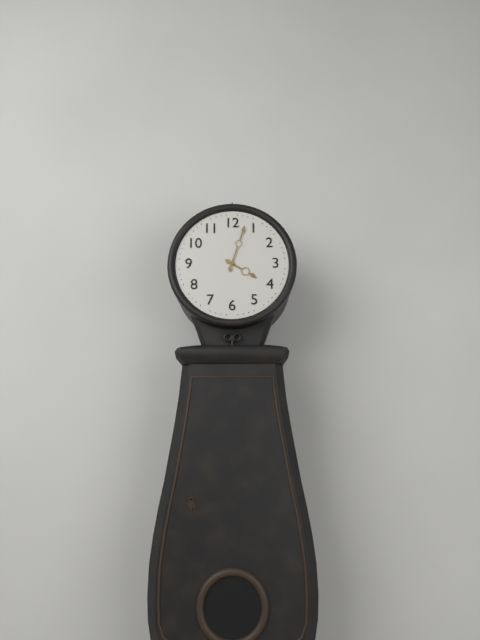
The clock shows {"hour": 4, "minute": 3}
